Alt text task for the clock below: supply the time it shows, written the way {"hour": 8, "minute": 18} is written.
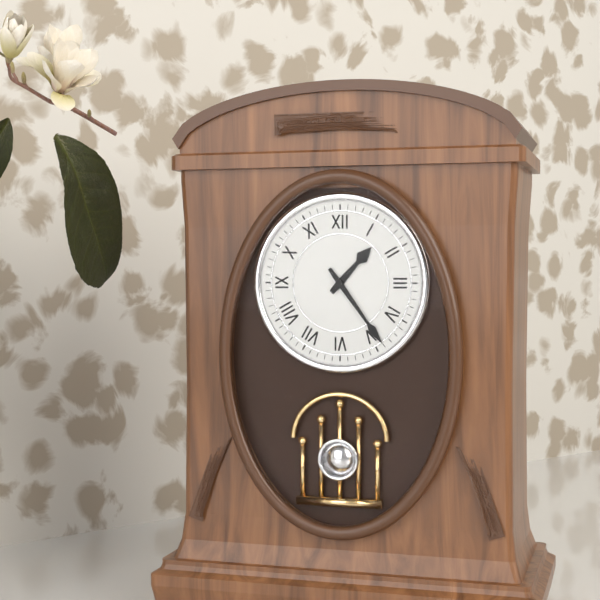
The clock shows {"hour": 1, "minute": 24}
